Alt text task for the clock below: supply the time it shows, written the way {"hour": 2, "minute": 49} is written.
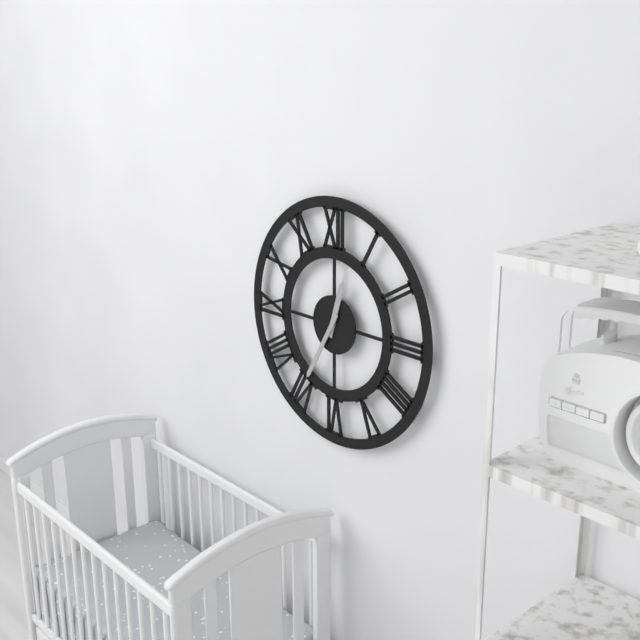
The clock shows {"hour": 12, "minute": 35}
